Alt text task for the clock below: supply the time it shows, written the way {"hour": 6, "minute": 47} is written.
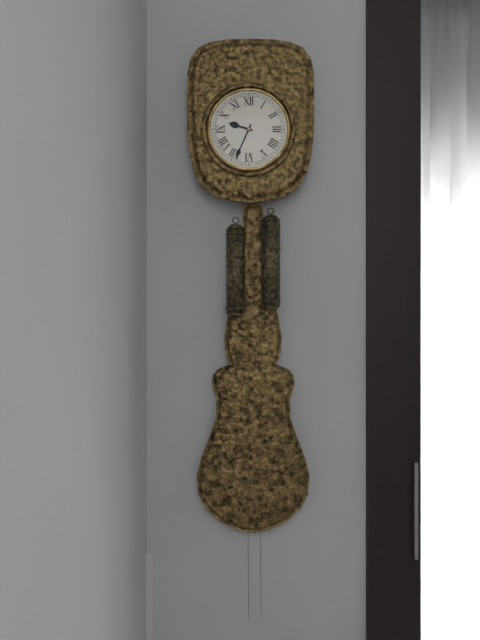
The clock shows {"hour": 9, "minute": 34}
